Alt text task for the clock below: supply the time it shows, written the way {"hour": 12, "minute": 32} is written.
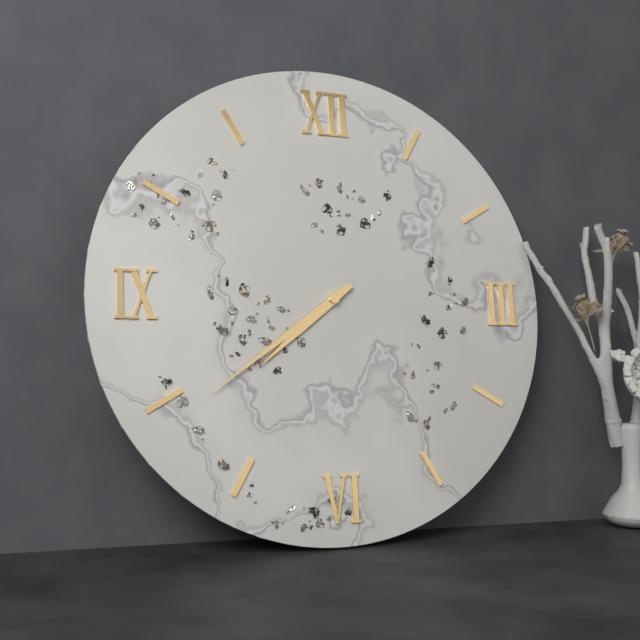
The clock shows {"hour": 7, "minute": 39}
